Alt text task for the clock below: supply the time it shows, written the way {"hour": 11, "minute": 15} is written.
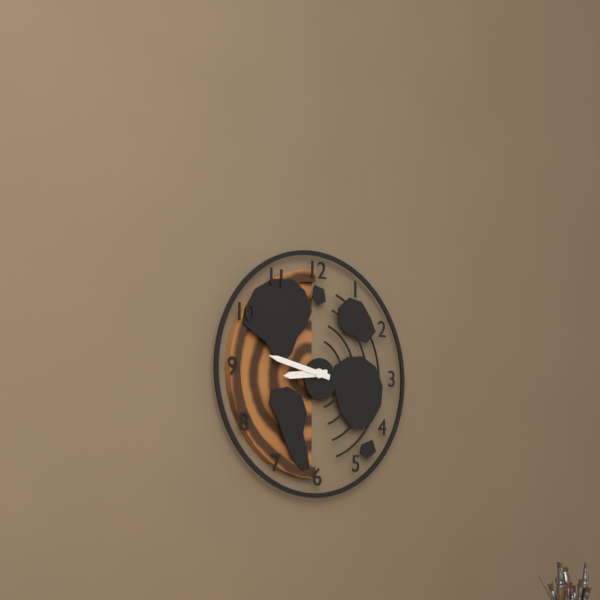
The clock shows {"hour": 8, "minute": 47}
